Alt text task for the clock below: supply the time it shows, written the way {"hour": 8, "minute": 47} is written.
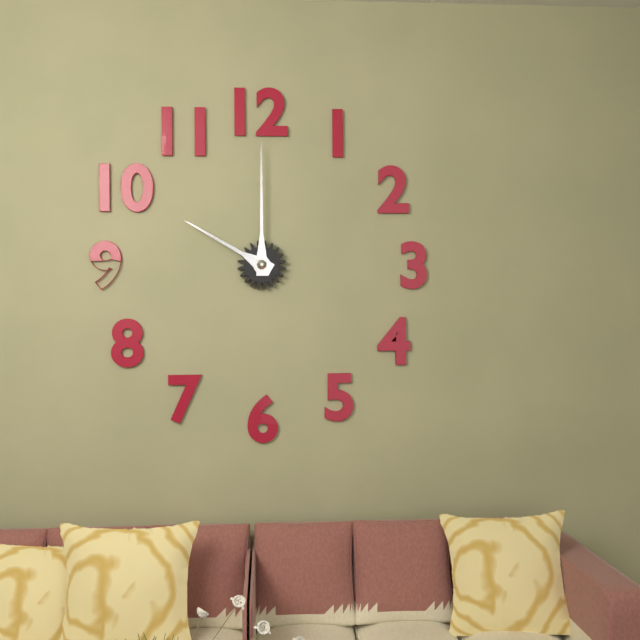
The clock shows {"hour": 10, "minute": 0}
